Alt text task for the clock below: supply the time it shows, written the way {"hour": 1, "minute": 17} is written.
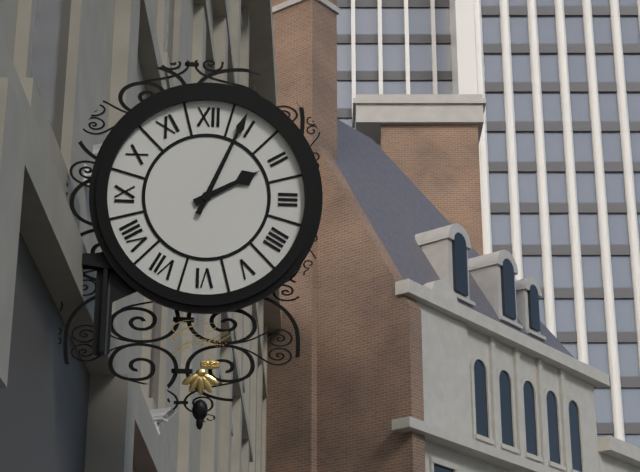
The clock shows {"hour": 2, "minute": 4}
